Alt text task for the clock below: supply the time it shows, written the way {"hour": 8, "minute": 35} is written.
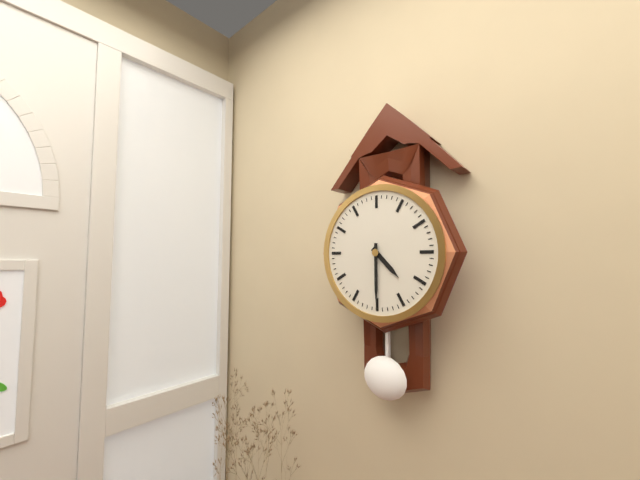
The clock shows {"hour": 4, "minute": 30}
